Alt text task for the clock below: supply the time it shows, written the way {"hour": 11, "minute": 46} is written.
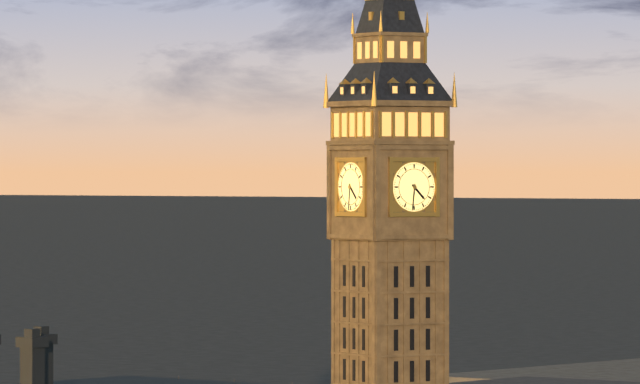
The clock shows {"hour": 4, "minute": 31}
